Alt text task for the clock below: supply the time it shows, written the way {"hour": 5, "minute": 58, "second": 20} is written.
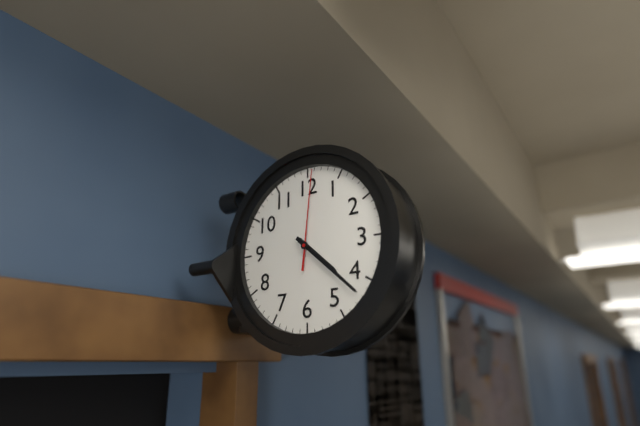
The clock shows {"hour": 4, "minute": 22, "second": 1}
